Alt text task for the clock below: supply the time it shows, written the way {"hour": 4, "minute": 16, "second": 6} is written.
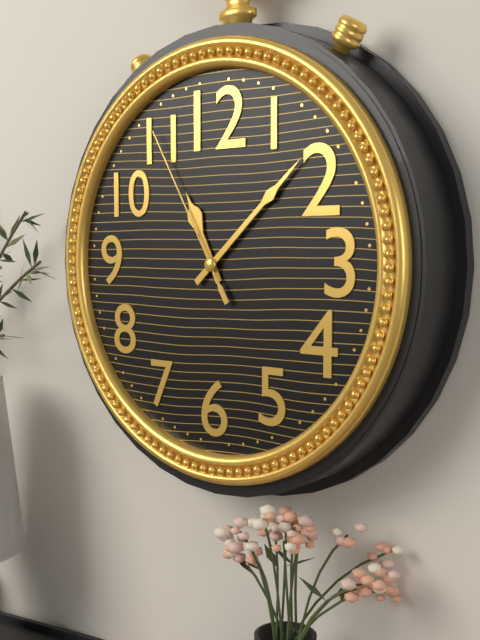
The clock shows {"hour": 11, "minute": 8, "second": 55}
